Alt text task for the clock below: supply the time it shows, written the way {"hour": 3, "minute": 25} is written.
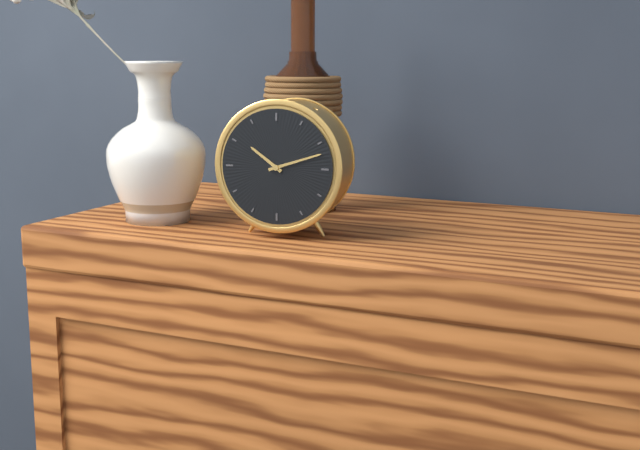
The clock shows {"hour": 10, "minute": 12}
